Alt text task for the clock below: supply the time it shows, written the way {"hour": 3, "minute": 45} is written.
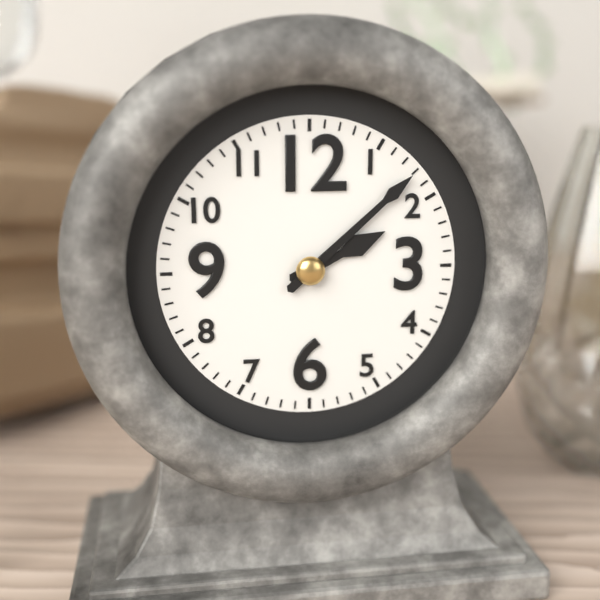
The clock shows {"hour": 2, "minute": 8}
